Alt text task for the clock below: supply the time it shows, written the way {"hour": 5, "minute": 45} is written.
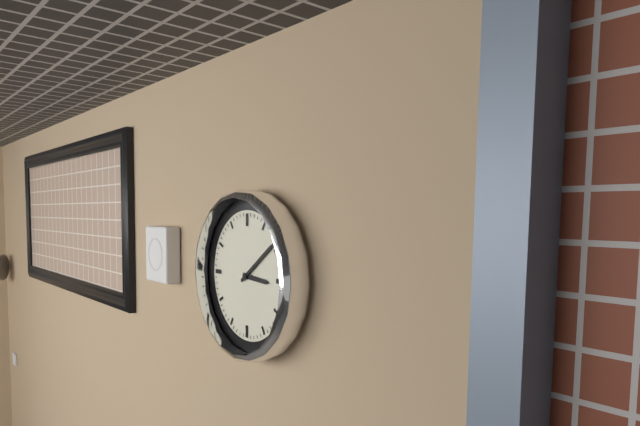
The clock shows {"hour": 3, "minute": 9}
